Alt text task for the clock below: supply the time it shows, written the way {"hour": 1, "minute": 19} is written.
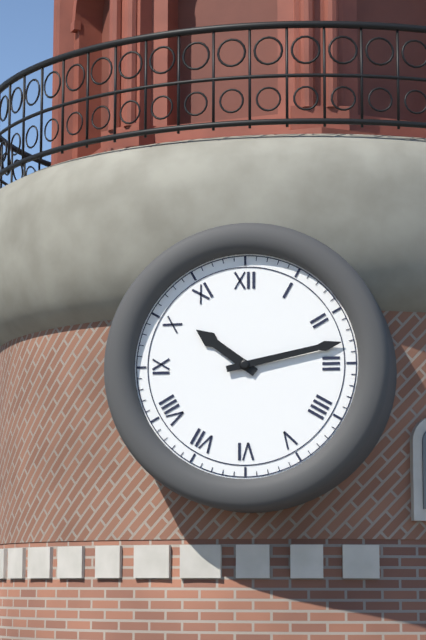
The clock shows {"hour": 10, "minute": 13}
